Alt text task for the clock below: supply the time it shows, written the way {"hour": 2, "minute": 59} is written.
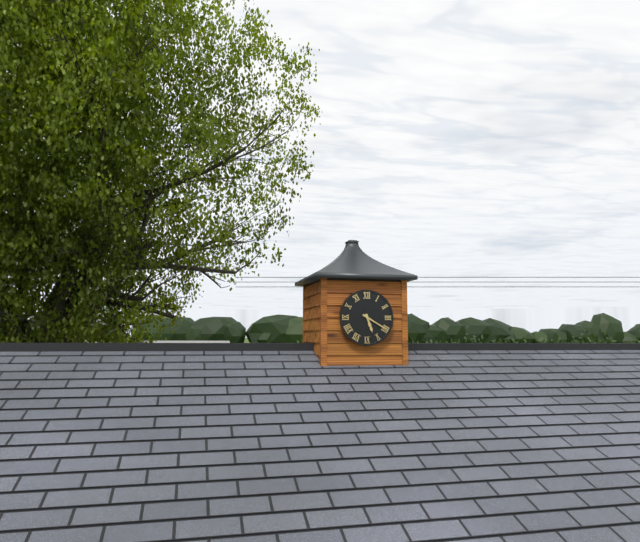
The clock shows {"hour": 5, "minute": 20}
